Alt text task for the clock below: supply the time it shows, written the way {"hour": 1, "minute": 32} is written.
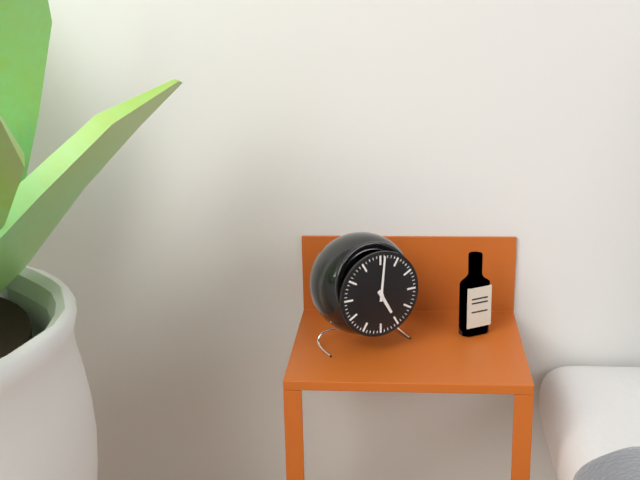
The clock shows {"hour": 5, "minute": 1}
